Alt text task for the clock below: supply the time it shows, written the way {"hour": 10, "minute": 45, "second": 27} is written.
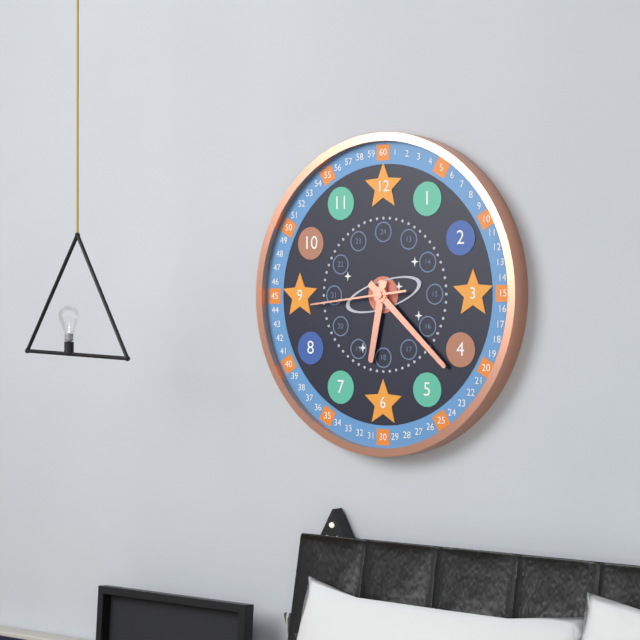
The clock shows {"hour": 6, "minute": 22, "second": 44}
